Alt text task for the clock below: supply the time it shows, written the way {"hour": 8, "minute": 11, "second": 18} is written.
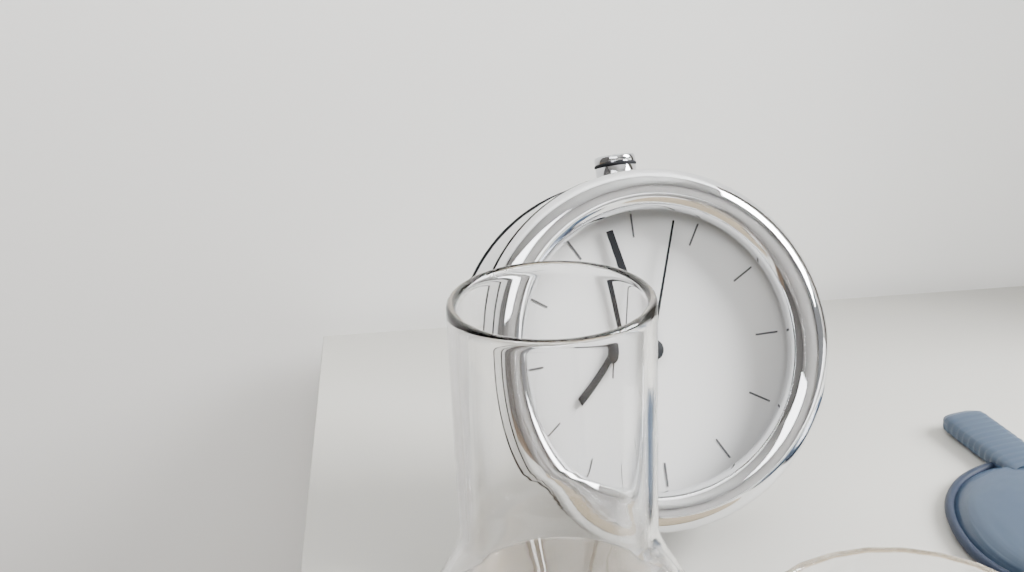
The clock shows {"hour": 7, "minute": 58, "second": 3}
